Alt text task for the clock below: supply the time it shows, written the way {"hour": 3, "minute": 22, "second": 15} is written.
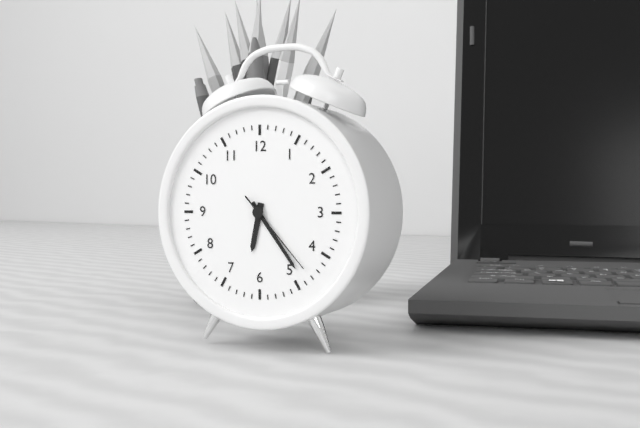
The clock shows {"hour": 6, "minute": 24, "second": 23}
